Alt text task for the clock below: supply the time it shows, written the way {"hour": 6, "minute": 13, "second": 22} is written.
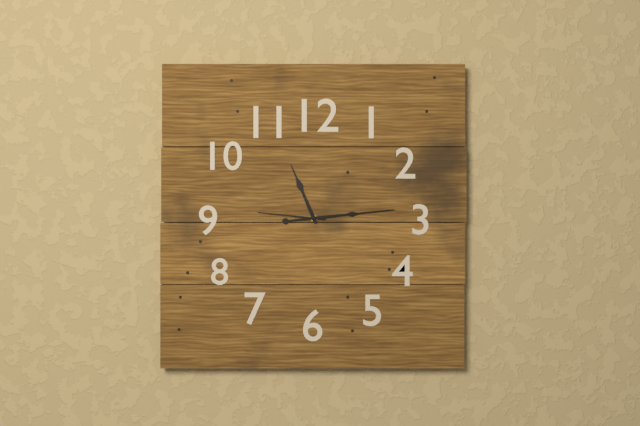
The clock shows {"hour": 11, "minute": 14, "second": 46}
